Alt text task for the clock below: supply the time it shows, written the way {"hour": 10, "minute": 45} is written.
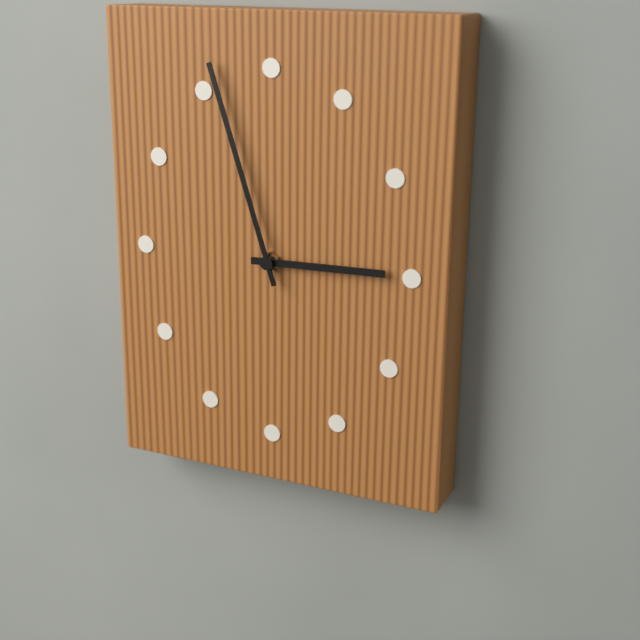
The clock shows {"hour": 2, "minute": 57}
